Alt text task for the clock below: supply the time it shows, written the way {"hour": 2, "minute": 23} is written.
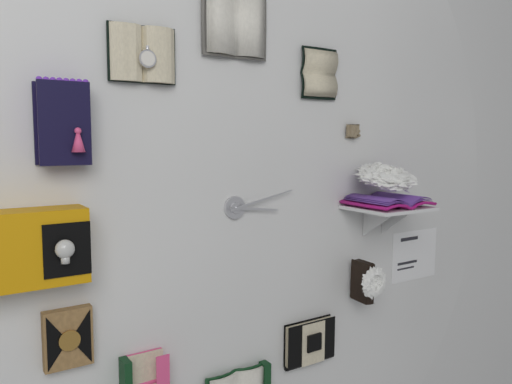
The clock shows {"hour": 3, "minute": 13}
